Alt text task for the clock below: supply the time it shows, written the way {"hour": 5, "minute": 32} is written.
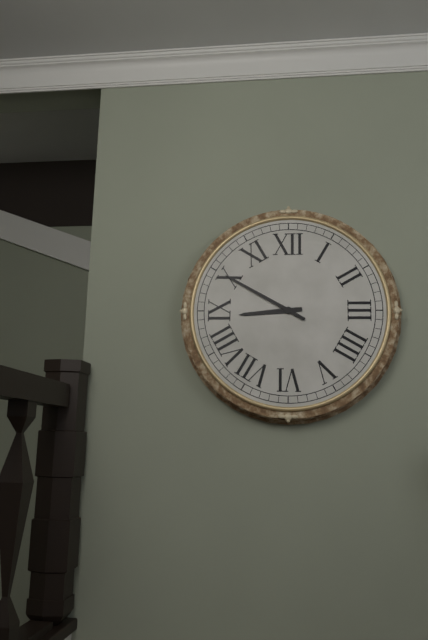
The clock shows {"hour": 8, "minute": 50}
